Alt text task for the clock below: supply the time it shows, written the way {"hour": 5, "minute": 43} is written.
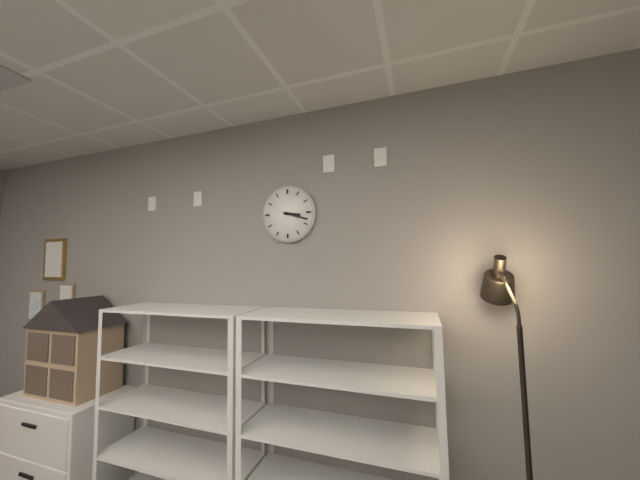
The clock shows {"hour": 3, "minute": 18}
